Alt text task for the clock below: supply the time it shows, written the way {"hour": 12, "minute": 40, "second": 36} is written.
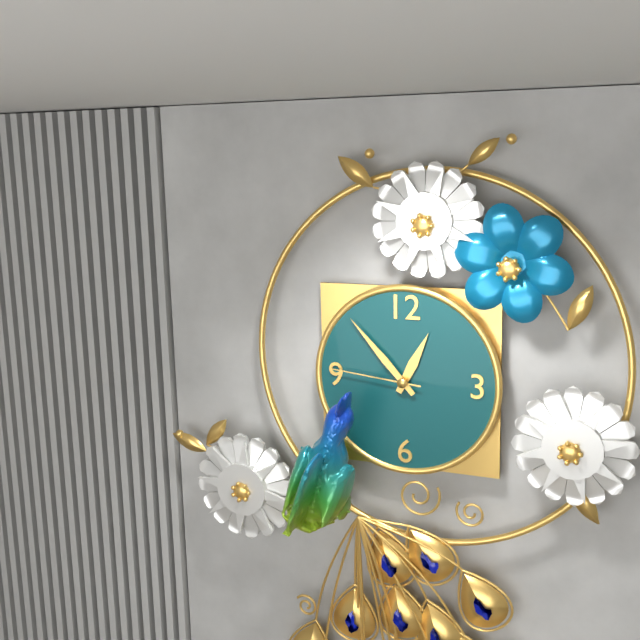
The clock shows {"hour": 12, "minute": 53, "second": 46}
